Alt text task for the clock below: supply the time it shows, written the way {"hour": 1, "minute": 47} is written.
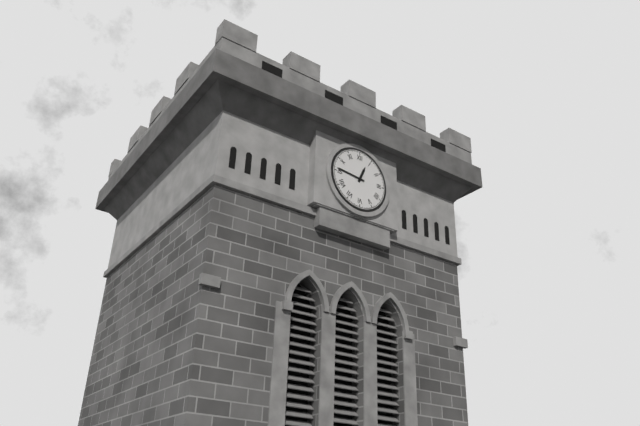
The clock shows {"hour": 12, "minute": 46}
